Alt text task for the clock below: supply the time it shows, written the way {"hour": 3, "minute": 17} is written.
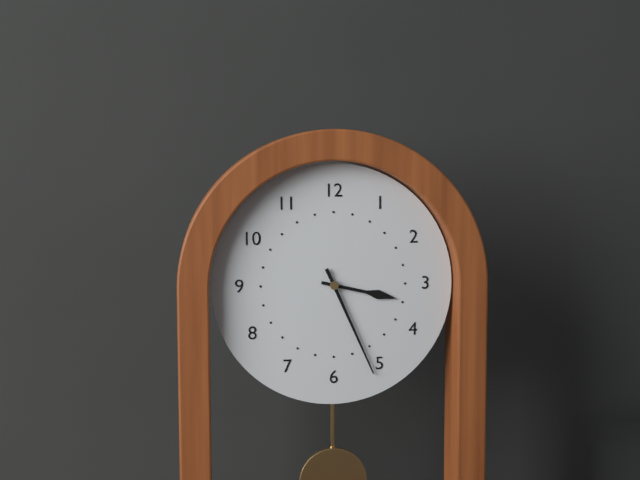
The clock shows {"hour": 3, "minute": 26}
